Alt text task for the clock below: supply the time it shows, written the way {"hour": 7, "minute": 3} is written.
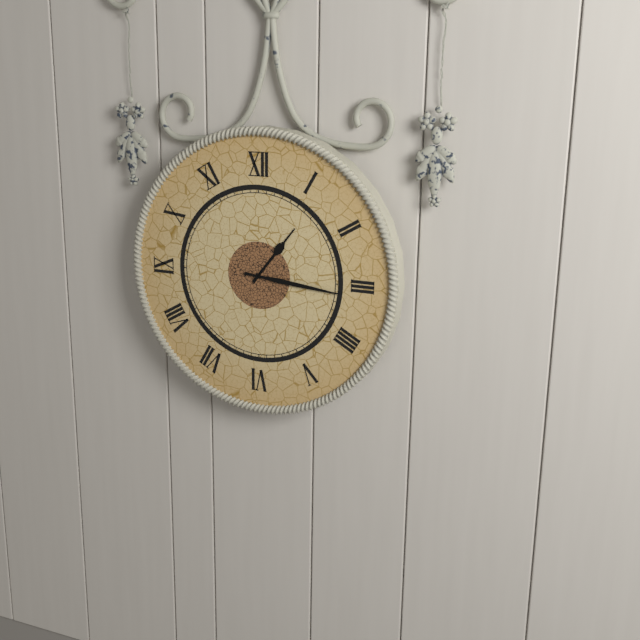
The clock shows {"hour": 1, "minute": 16}
